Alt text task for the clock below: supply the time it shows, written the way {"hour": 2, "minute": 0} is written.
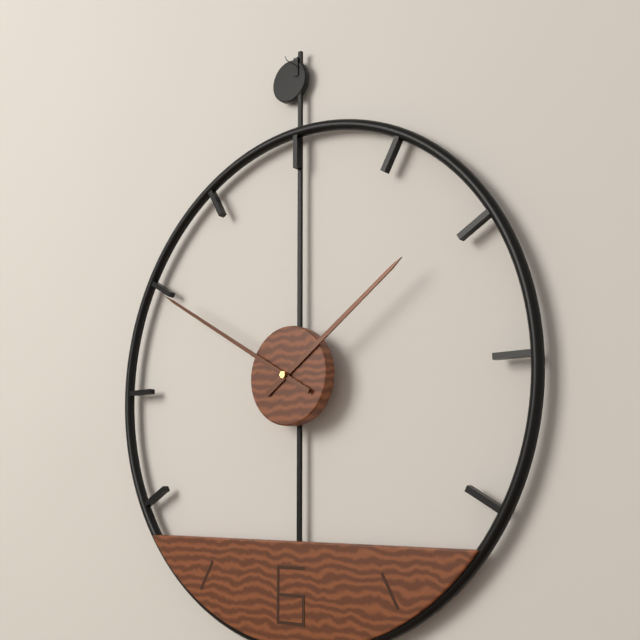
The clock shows {"hour": 1, "minute": 50}
